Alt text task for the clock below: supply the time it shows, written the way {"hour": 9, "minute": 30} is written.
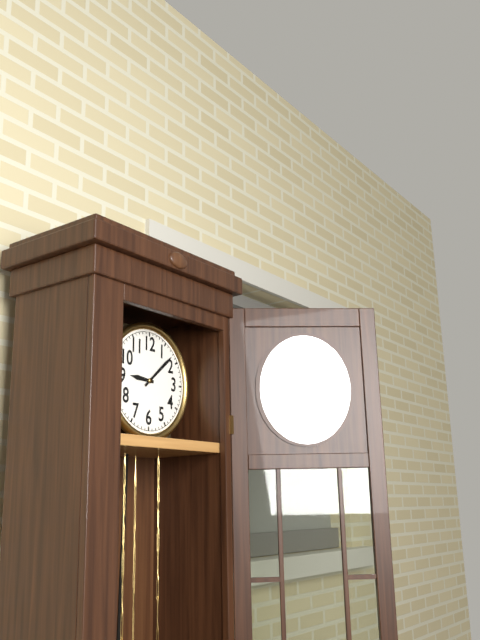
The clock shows {"hour": 9, "minute": 8}
